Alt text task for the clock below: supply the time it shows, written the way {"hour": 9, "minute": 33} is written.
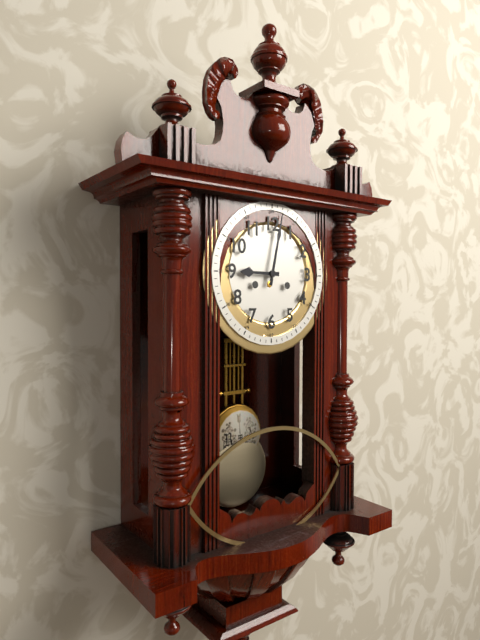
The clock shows {"hour": 9, "minute": 2}
